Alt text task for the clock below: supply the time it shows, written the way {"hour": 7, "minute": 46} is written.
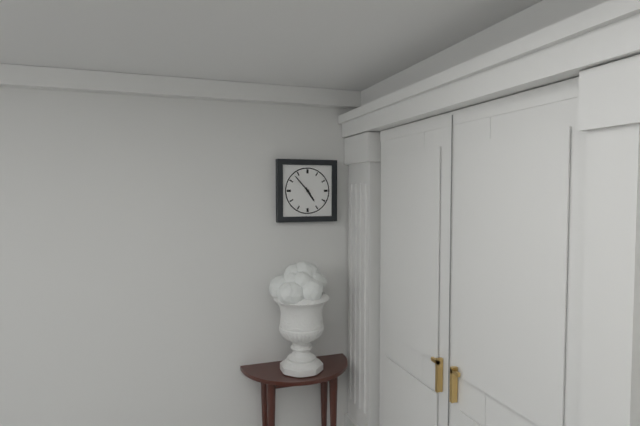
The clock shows {"hour": 4, "minute": 53}
